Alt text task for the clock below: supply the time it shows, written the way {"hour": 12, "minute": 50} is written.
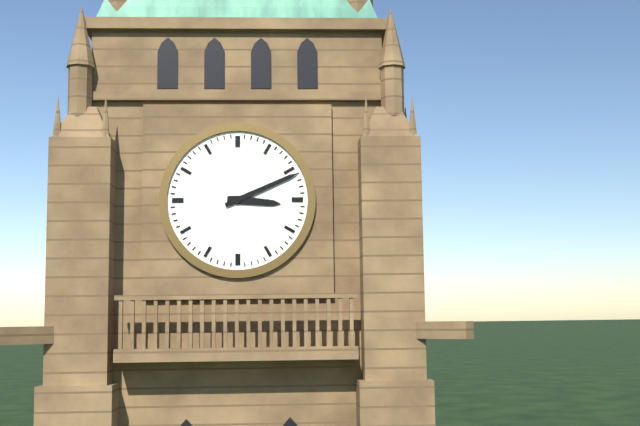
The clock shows {"hour": 3, "minute": 11}
